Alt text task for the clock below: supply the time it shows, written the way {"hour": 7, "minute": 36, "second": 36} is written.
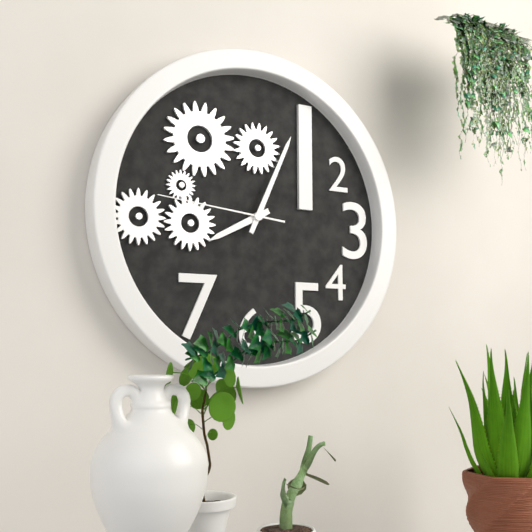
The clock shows {"hour": 8, "minute": 4, "second": 46}
